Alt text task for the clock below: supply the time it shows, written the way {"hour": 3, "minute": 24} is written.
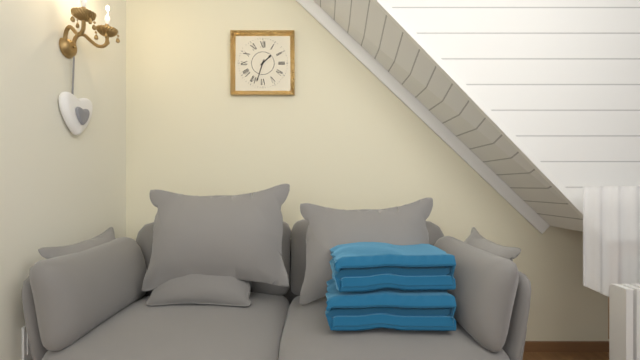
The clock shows {"hour": 1, "minute": 33}
